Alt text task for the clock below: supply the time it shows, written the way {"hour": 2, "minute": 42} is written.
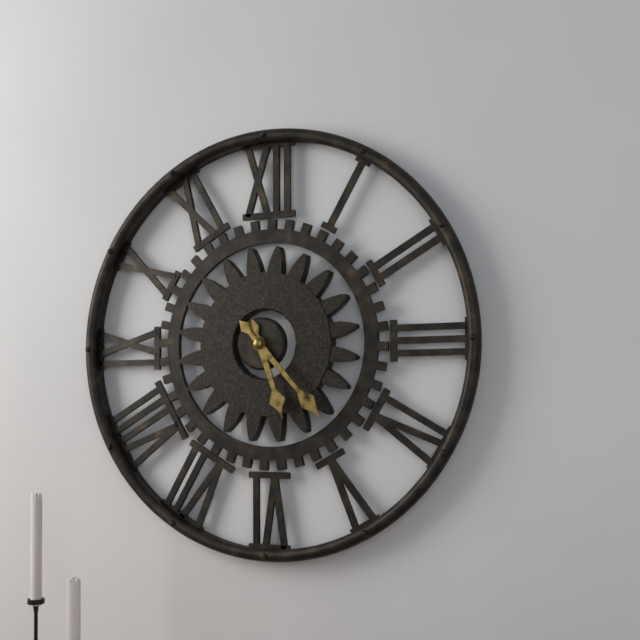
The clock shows {"hour": 5, "minute": 23}
